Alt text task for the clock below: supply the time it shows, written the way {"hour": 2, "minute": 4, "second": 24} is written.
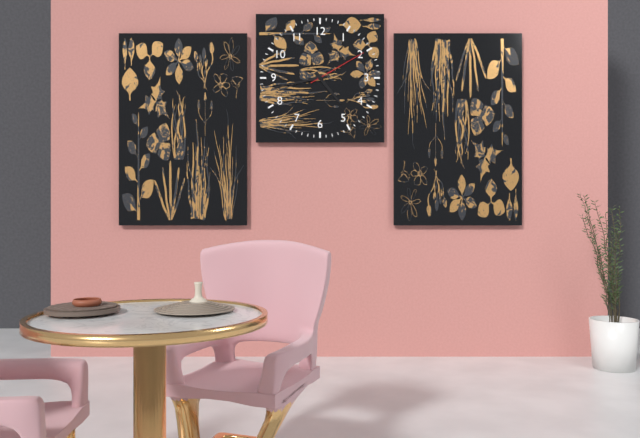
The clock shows {"hour": 4, "minute": 43, "second": 10}
